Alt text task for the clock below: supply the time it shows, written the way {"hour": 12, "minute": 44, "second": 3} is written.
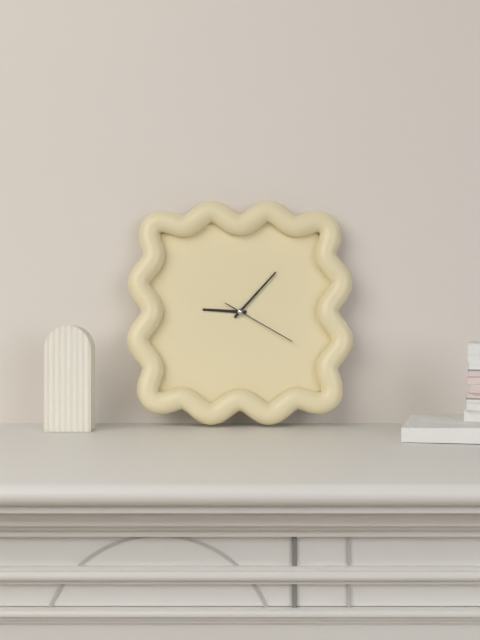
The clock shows {"hour": 9, "minute": 7, "second": 20}
